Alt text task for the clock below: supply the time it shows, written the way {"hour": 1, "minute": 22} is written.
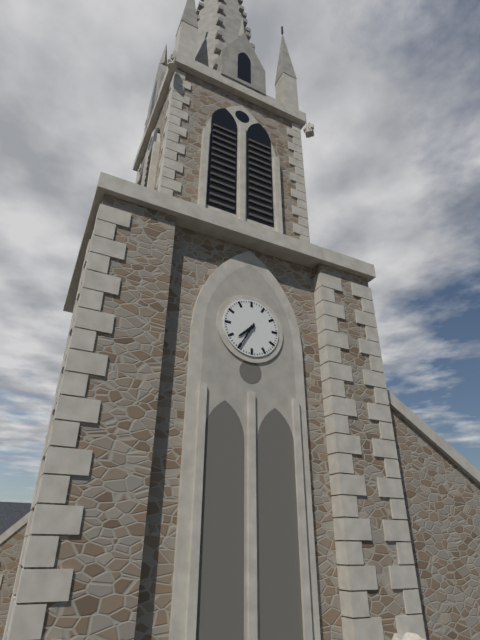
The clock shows {"hour": 7, "minute": 35}
